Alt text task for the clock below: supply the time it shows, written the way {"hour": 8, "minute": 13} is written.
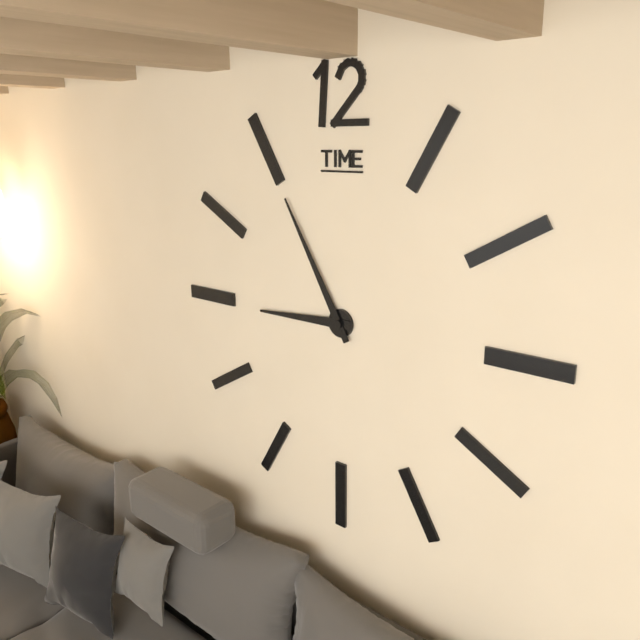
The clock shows {"hour": 8, "minute": 55}
